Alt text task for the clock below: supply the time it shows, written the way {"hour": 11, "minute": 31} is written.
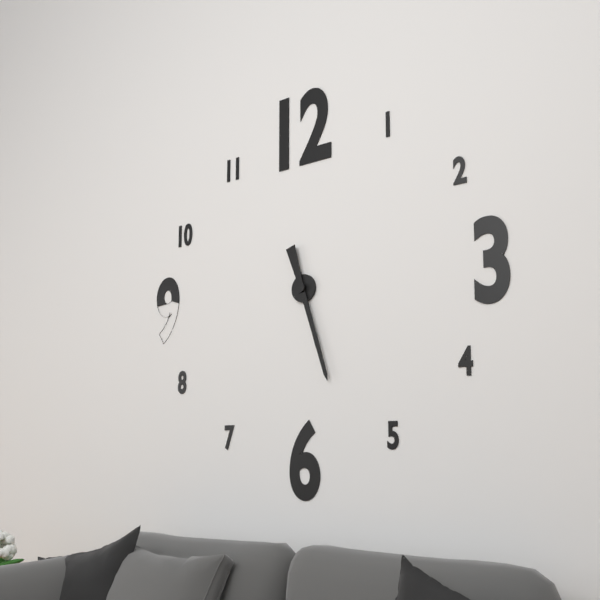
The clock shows {"hour": 5, "minute": 27}
